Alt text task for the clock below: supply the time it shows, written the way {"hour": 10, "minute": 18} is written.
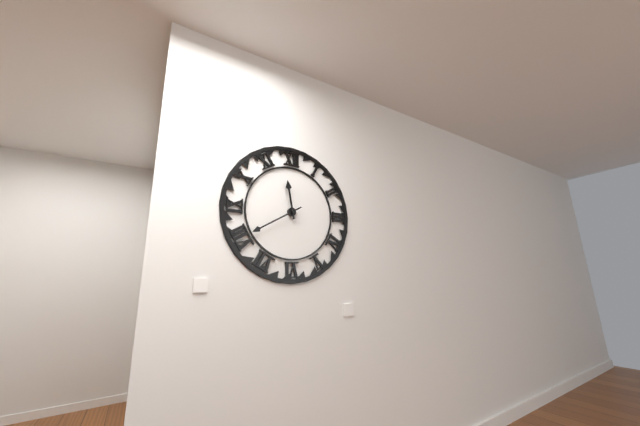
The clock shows {"hour": 11, "minute": 40}
